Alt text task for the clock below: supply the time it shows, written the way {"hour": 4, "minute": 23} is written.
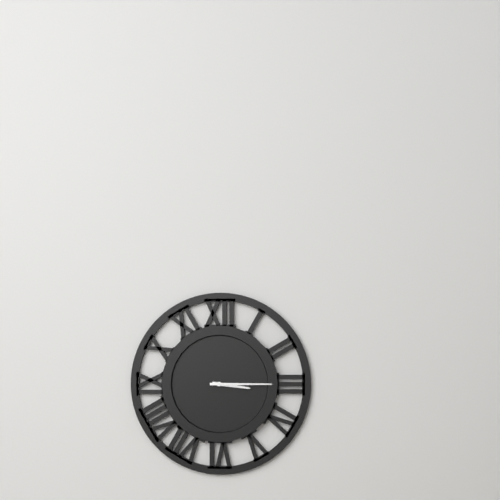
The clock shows {"hour": 3, "minute": 15}
